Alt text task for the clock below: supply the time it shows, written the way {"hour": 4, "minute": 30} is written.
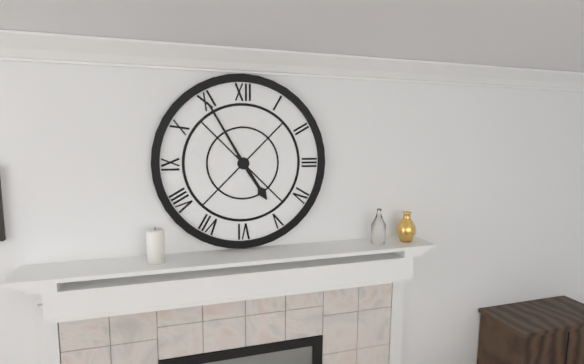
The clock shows {"hour": 4, "minute": 55}
